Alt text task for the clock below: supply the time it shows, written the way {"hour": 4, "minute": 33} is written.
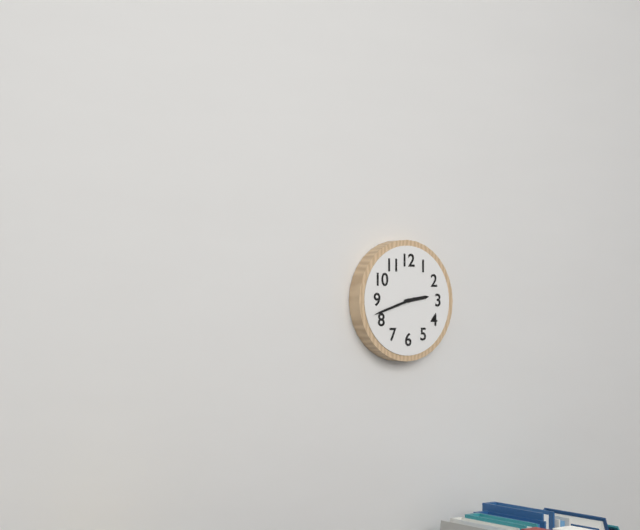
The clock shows {"hour": 2, "minute": 42}
